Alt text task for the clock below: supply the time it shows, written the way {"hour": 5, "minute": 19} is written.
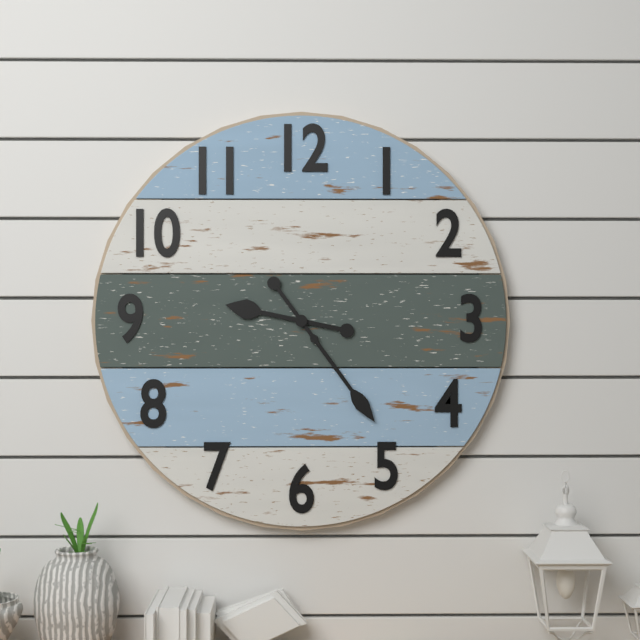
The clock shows {"hour": 9, "minute": 24}
